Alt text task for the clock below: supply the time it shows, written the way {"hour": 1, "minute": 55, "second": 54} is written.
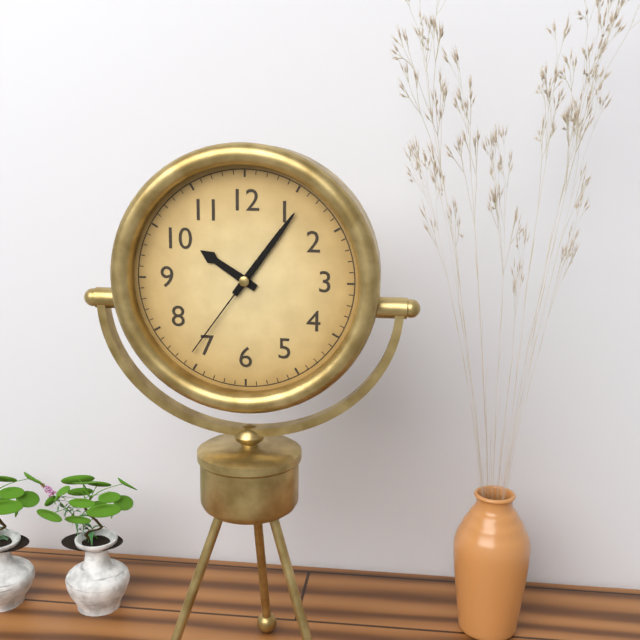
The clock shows {"hour": 10, "minute": 6, "second": 36}
